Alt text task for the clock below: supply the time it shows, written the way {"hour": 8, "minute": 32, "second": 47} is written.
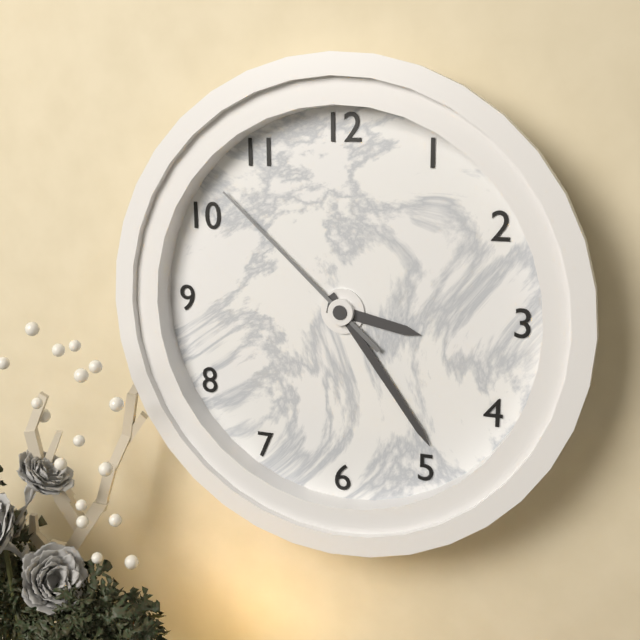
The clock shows {"hour": 3, "minute": 24, "second": 52}
